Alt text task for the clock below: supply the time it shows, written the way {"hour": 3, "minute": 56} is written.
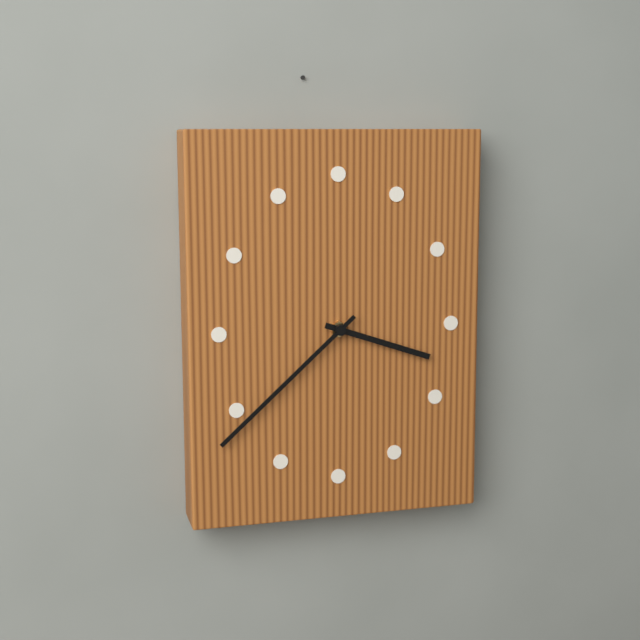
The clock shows {"hour": 3, "minute": 38}
